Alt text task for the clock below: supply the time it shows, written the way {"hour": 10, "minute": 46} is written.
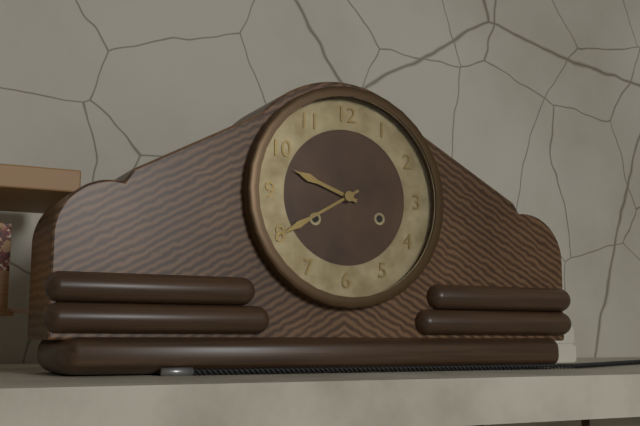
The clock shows {"hour": 9, "minute": 40}
